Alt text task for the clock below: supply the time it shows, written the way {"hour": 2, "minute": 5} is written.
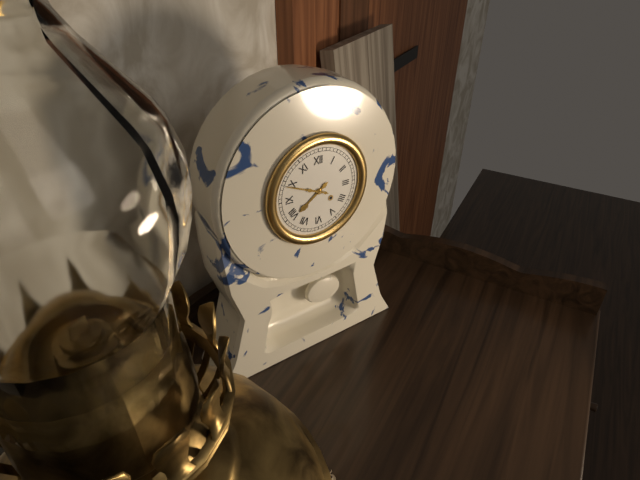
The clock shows {"hour": 7, "minute": 49}
